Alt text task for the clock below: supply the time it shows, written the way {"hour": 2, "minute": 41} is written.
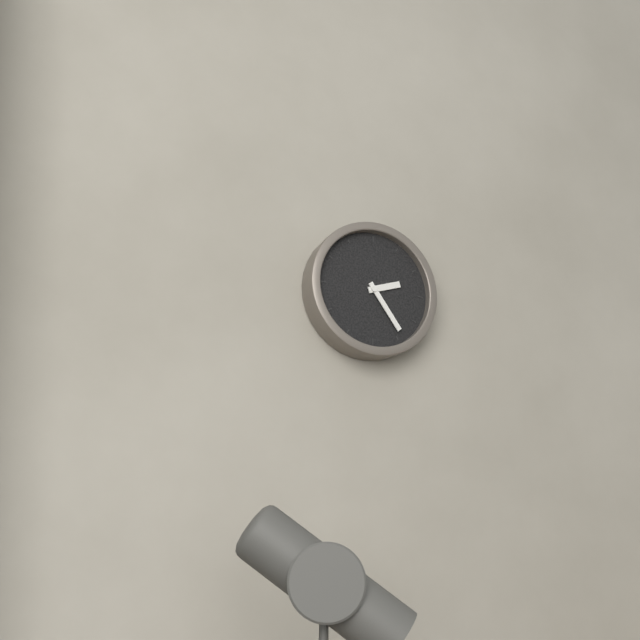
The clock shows {"hour": 2, "minute": 24}
